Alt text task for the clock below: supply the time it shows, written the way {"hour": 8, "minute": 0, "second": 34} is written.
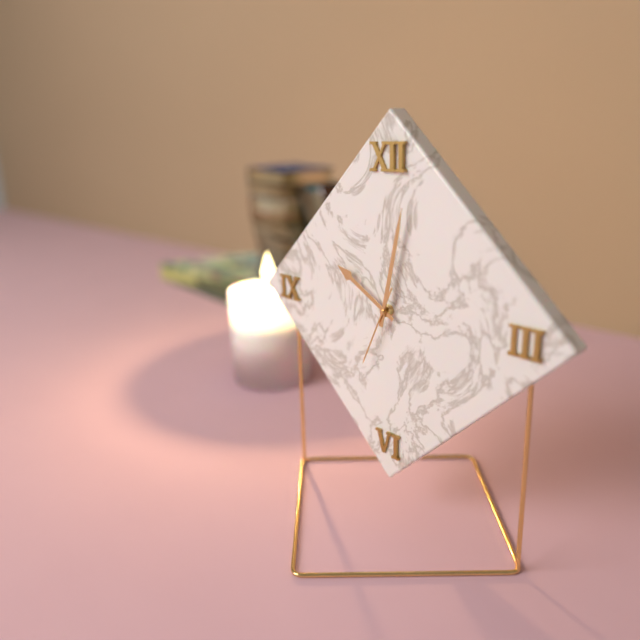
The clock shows {"hour": 10, "minute": 2, "second": 34}
